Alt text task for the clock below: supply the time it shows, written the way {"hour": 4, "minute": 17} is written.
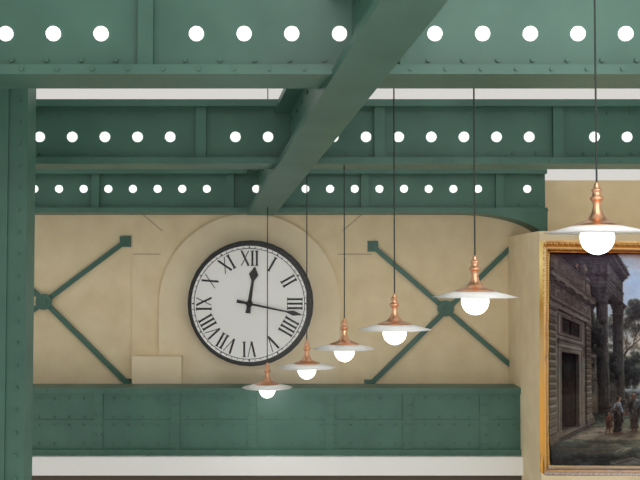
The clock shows {"hour": 12, "minute": 17}
